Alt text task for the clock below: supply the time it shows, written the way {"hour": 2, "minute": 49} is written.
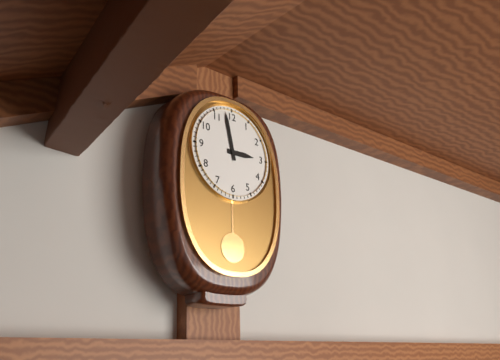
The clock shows {"hour": 2, "minute": 58}
